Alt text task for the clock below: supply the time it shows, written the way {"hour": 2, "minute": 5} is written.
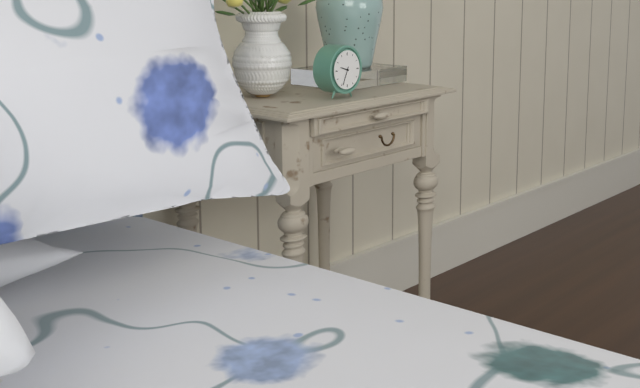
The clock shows {"hour": 9, "minute": 34}
